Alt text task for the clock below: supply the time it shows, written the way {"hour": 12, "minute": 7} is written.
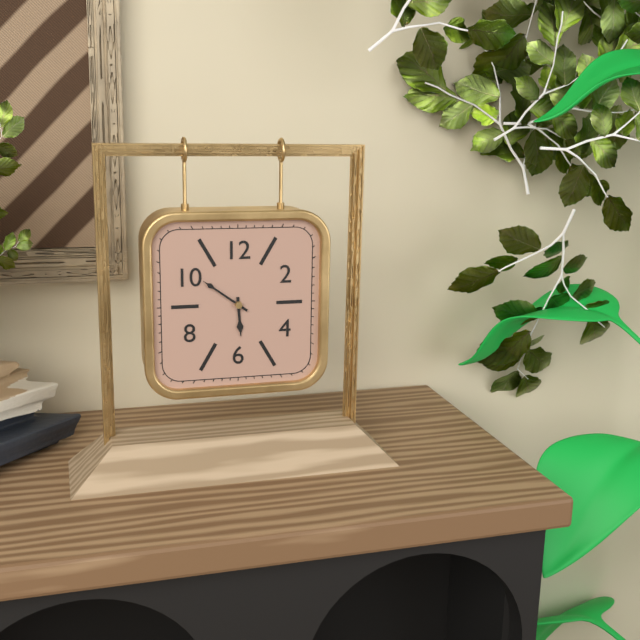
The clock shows {"hour": 5, "minute": 51}
